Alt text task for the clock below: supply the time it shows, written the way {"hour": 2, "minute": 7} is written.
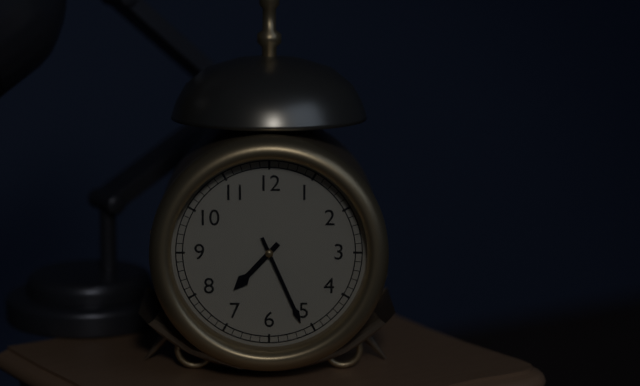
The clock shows {"hour": 7, "minute": 26}
